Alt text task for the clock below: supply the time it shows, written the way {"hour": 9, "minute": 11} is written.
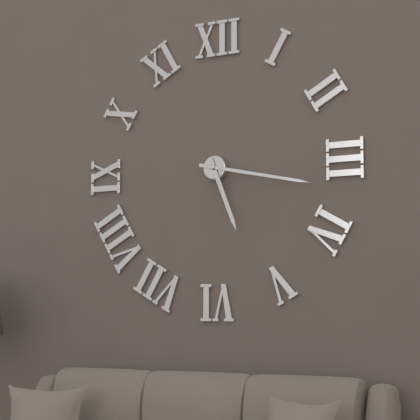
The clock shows {"hour": 5, "minute": 17}
